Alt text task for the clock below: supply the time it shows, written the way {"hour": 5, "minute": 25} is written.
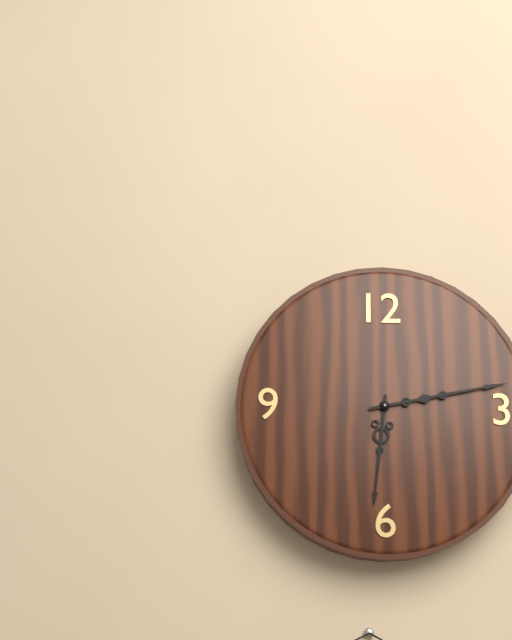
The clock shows {"hour": 6, "minute": 13}
